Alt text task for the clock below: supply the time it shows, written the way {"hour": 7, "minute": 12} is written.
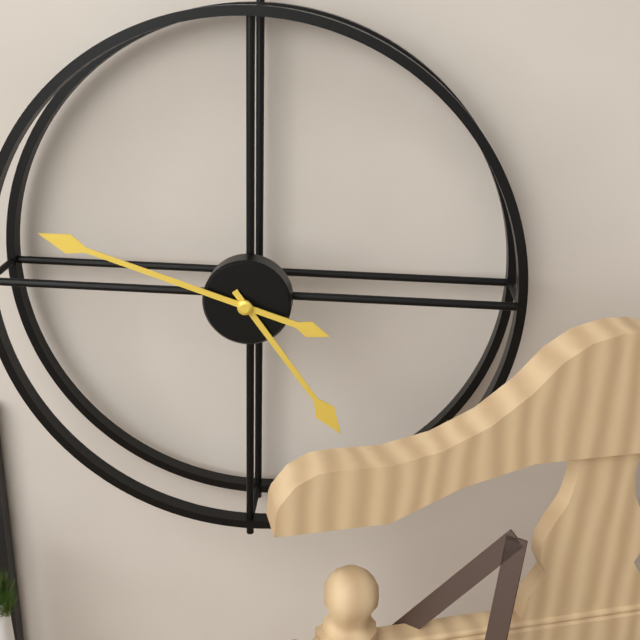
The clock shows {"hour": 4, "minute": 48}
